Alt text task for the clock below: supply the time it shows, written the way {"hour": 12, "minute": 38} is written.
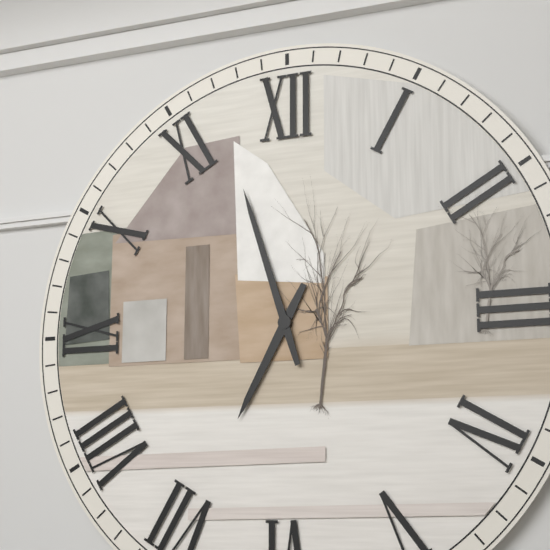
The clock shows {"hour": 6, "minute": 57}
